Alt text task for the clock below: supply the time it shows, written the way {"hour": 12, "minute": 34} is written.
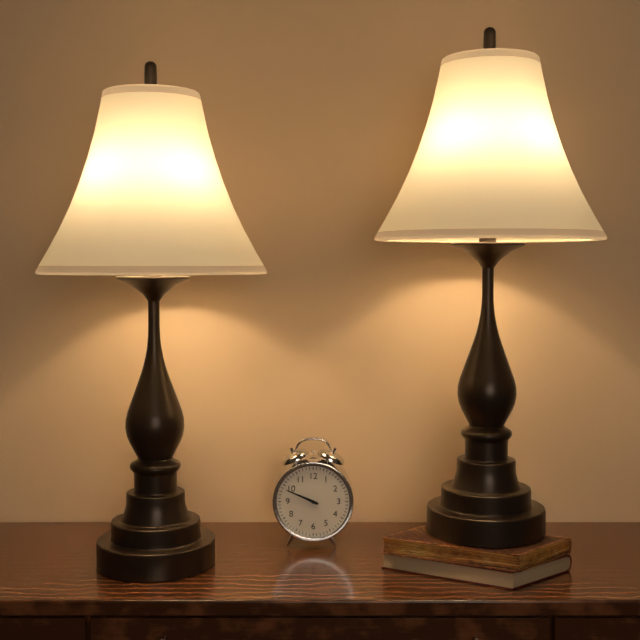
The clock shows {"hour": 9, "minute": 49}
